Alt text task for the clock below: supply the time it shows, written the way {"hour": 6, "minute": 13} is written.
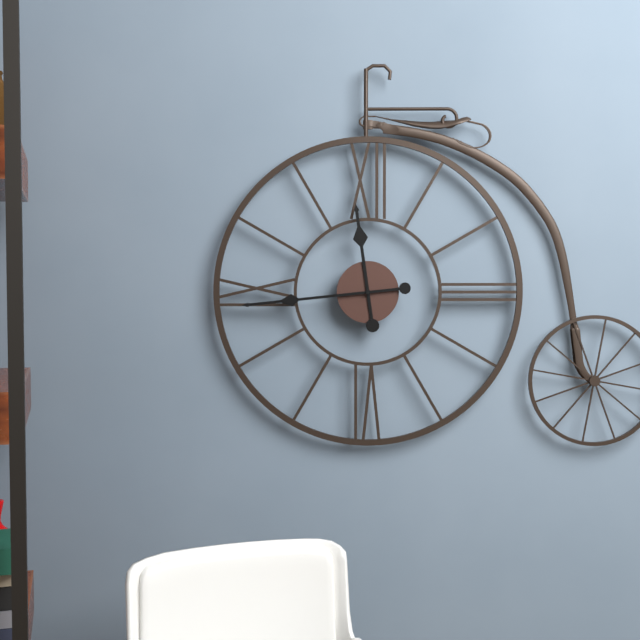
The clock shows {"hour": 11, "minute": 44}
